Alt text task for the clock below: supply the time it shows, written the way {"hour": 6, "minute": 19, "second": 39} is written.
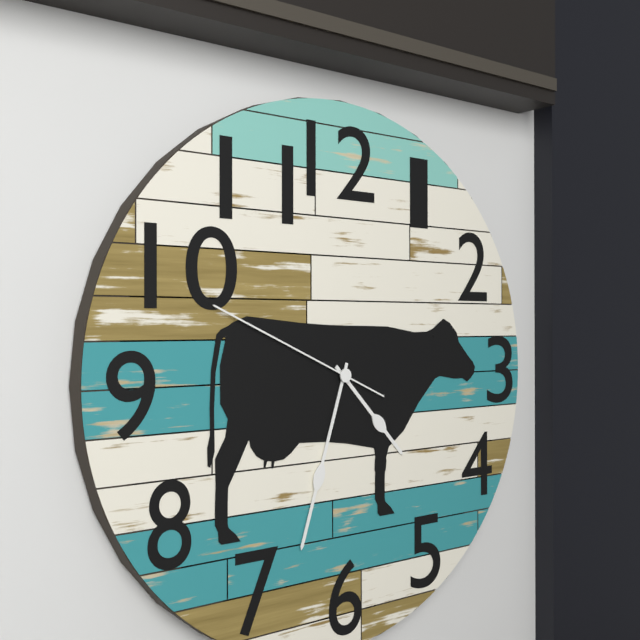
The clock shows {"hour": 4, "minute": 33, "second": 49}
